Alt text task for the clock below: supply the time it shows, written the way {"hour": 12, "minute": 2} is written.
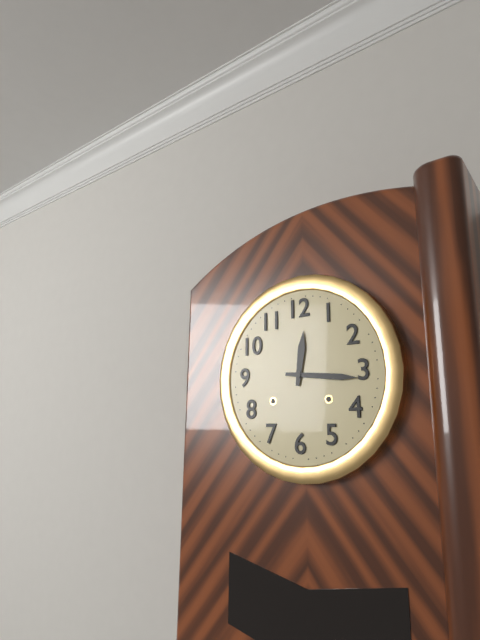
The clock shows {"hour": 12, "minute": 16}
